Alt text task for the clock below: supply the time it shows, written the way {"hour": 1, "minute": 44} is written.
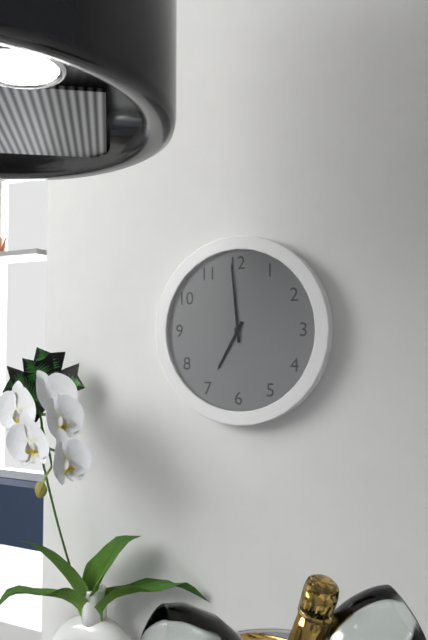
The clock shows {"hour": 6, "minute": 59}
